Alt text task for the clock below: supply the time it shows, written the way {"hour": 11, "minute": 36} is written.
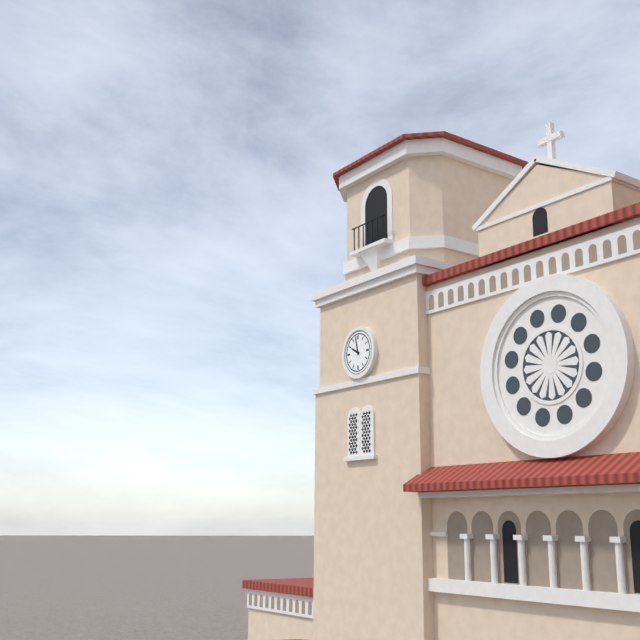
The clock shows {"hour": 9, "minute": 58}
